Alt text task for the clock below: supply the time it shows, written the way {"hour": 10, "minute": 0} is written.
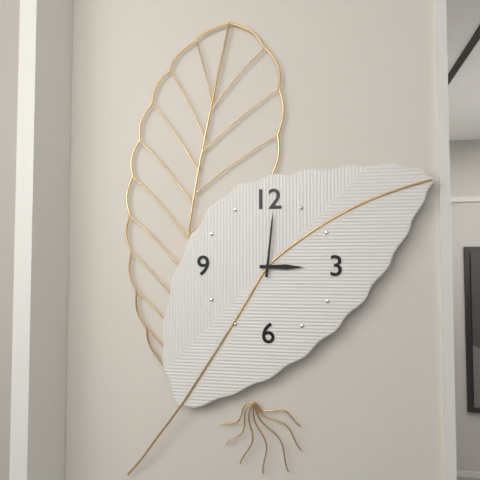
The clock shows {"hour": 3, "minute": 1}
